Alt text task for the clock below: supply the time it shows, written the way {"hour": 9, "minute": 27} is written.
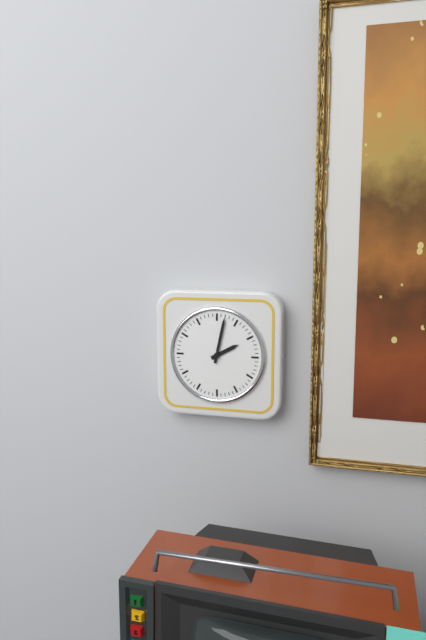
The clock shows {"hour": 2, "minute": 2}
